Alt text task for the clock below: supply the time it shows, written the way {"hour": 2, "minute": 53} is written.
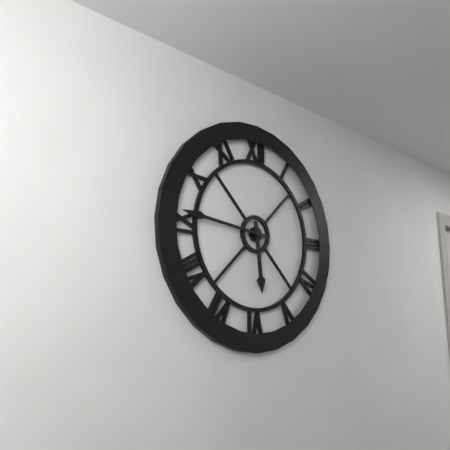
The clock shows {"hour": 5, "minute": 46}
